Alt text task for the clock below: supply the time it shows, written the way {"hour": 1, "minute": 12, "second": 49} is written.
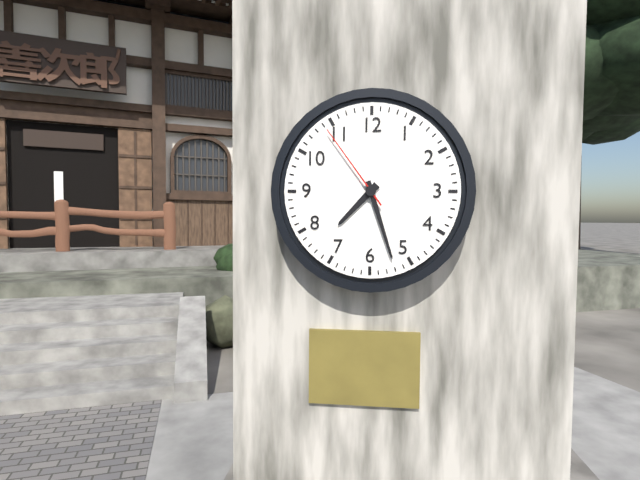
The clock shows {"hour": 7, "minute": 27, "second": 54}
